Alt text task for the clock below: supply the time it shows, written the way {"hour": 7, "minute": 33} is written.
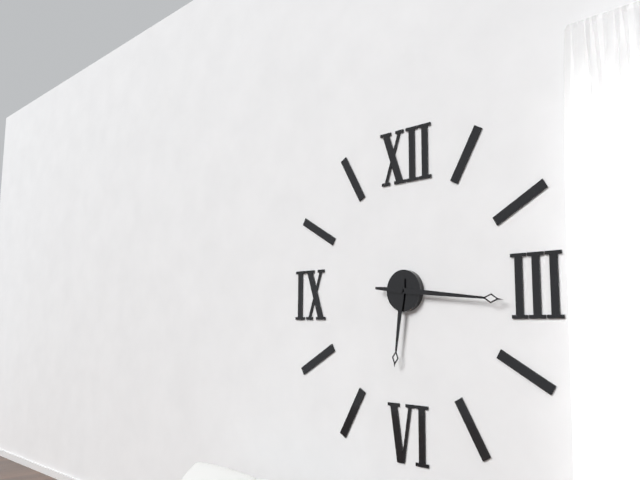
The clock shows {"hour": 6, "minute": 16}
